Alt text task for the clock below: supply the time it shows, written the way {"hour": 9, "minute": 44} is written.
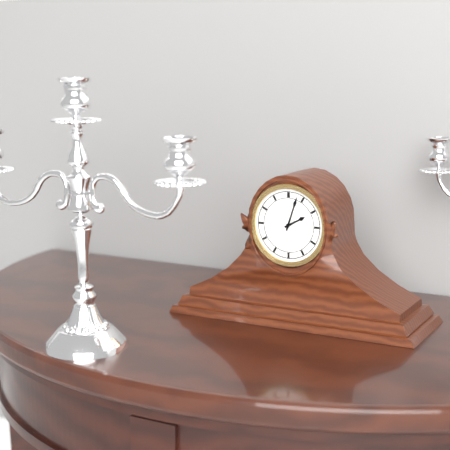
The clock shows {"hour": 2, "minute": 3}
